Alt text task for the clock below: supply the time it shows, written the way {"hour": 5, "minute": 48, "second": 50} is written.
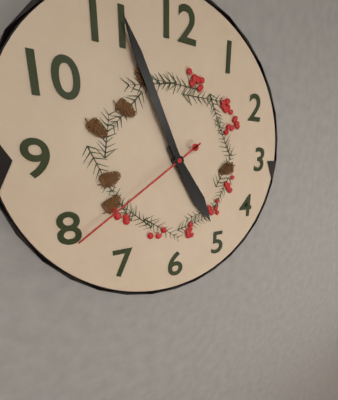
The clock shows {"hour": 4, "minute": 56, "second": 39}
